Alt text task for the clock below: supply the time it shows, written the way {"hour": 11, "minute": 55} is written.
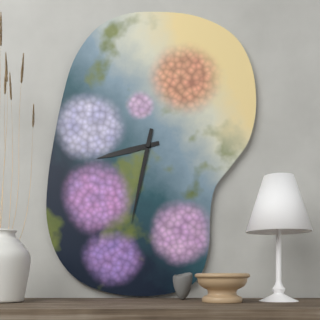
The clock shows {"hour": 8, "minute": 32}
